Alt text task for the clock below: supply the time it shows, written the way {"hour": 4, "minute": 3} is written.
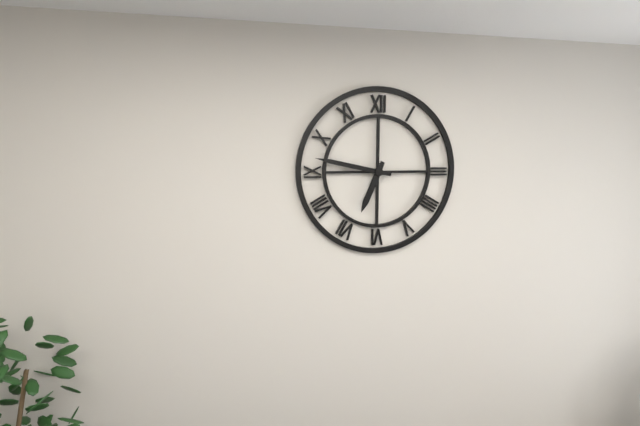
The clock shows {"hour": 6, "minute": 47}
